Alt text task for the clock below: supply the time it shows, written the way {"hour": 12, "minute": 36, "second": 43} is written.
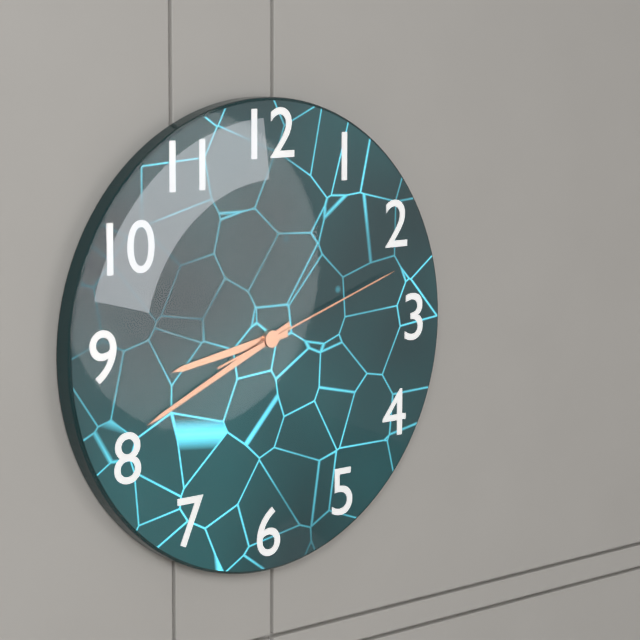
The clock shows {"hour": 8, "minute": 41, "second": 12}
